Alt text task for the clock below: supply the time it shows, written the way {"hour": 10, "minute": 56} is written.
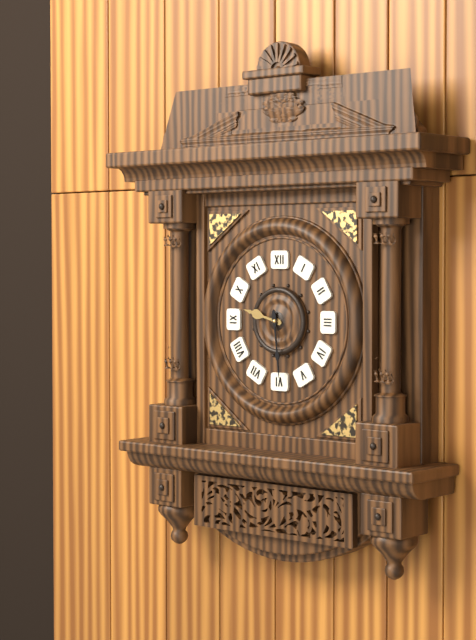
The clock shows {"hour": 9, "minute": 29}
